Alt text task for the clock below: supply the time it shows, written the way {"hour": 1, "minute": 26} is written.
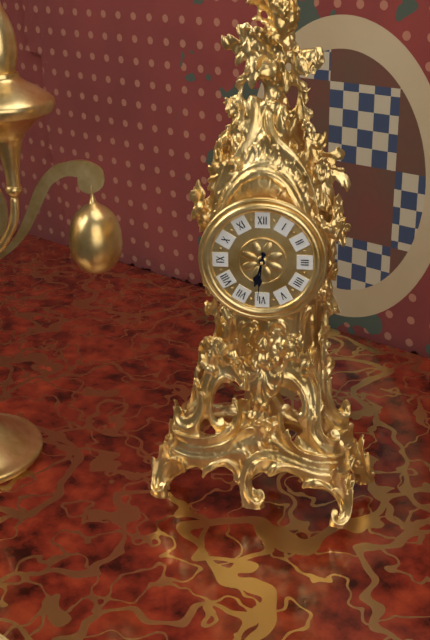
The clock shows {"hour": 6, "minute": 31}
